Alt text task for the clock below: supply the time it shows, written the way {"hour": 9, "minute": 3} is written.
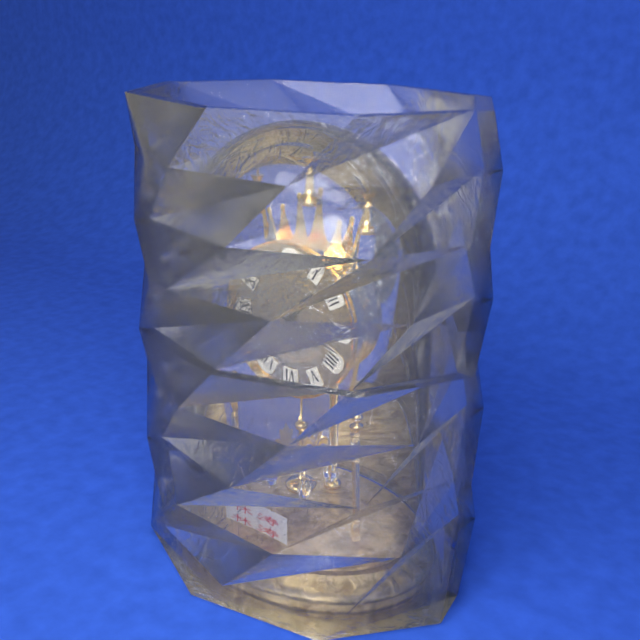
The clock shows {"hour": 1, "minute": 18}
